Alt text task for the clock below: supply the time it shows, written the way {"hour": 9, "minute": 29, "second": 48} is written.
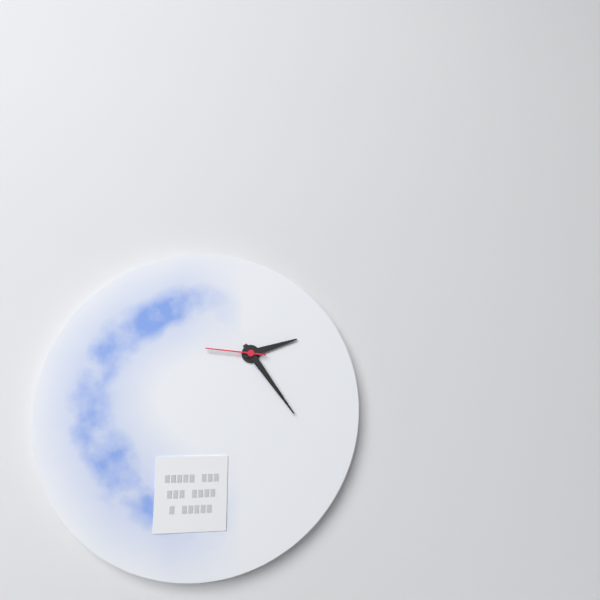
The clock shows {"hour": 2, "minute": 24, "second": 46}
